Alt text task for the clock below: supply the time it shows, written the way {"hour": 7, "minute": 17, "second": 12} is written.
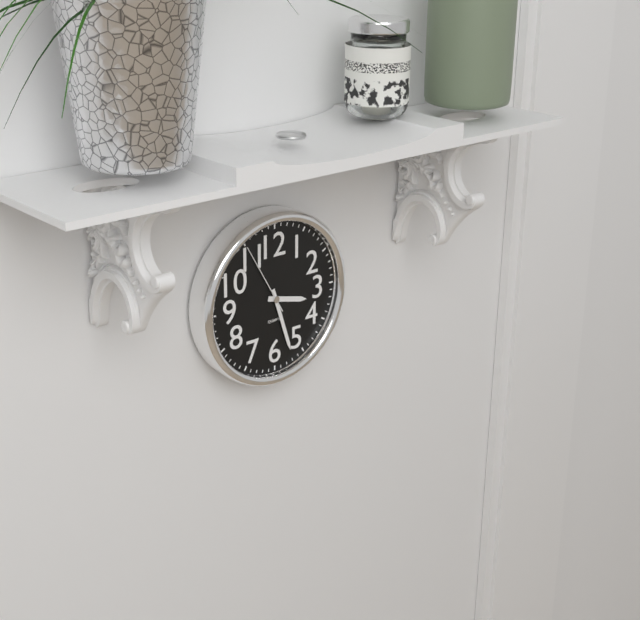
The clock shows {"hour": 3, "minute": 27, "second": 55}
